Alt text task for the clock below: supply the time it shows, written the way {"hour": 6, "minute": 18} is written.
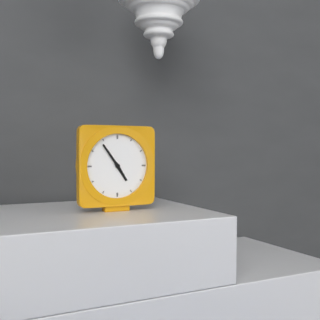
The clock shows {"hour": 4, "minute": 54}
